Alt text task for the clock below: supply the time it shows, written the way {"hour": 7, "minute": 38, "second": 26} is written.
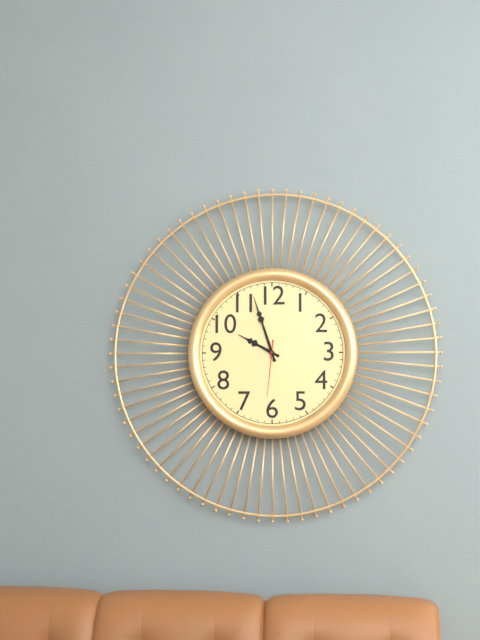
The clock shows {"hour": 9, "minute": 57, "second": 31}
